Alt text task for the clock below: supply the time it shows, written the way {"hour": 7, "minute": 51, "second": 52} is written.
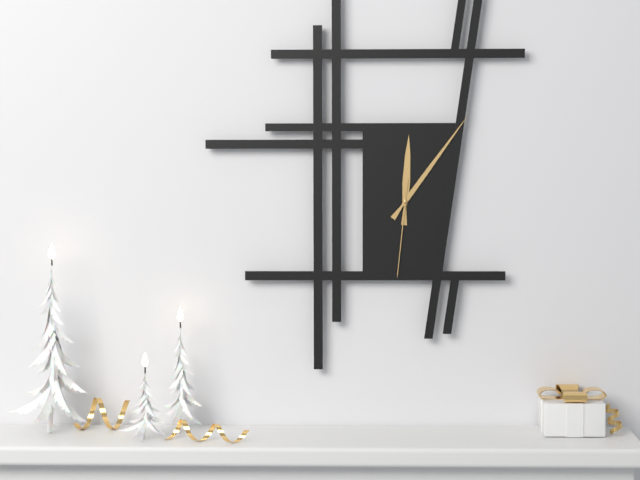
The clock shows {"hour": 12, "minute": 6, "second": 31}
